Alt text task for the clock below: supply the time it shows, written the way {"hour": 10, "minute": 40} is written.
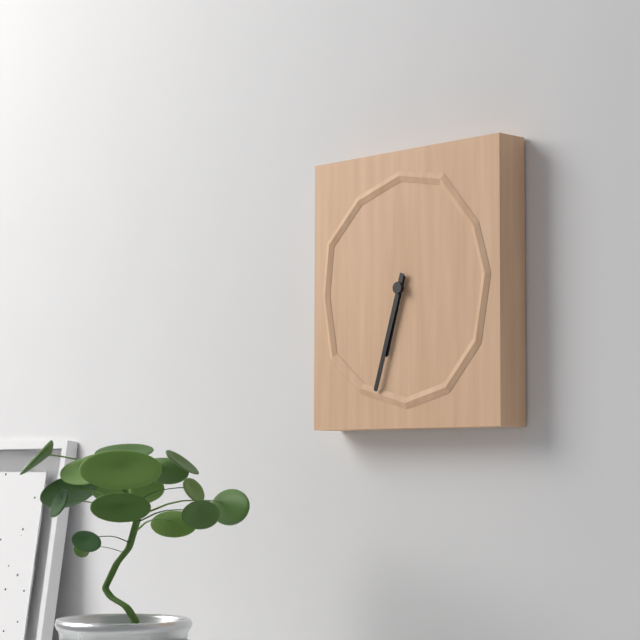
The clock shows {"hour": 6, "minute": 33}
